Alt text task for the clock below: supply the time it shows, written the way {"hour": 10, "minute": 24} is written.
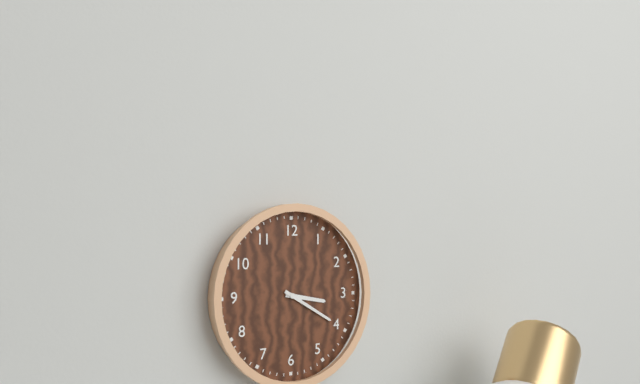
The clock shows {"hour": 3, "minute": 20}
